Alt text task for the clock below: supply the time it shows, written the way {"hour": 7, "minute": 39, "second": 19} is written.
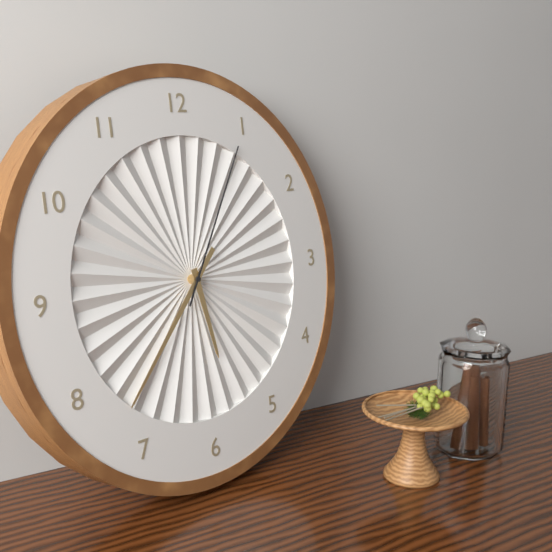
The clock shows {"hour": 5, "minute": 37, "second": 5}
